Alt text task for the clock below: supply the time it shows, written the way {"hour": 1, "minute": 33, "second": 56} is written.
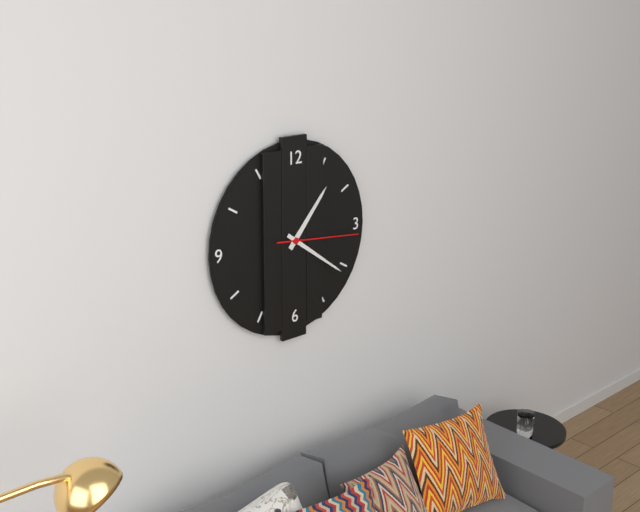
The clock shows {"hour": 1, "minute": 21, "second": 16}
